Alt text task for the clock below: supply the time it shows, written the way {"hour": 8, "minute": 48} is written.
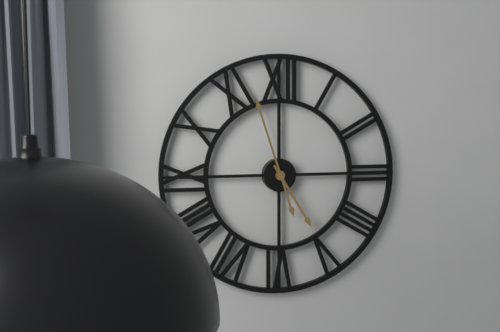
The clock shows {"hour": 4, "minute": 57}
